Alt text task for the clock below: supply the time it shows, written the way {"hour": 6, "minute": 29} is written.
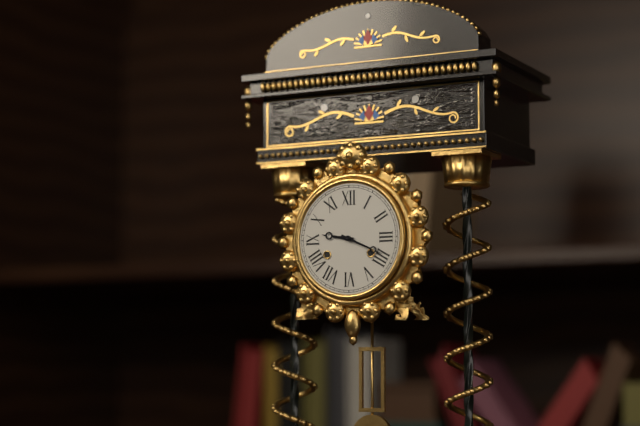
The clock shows {"hour": 9, "minute": 19}
